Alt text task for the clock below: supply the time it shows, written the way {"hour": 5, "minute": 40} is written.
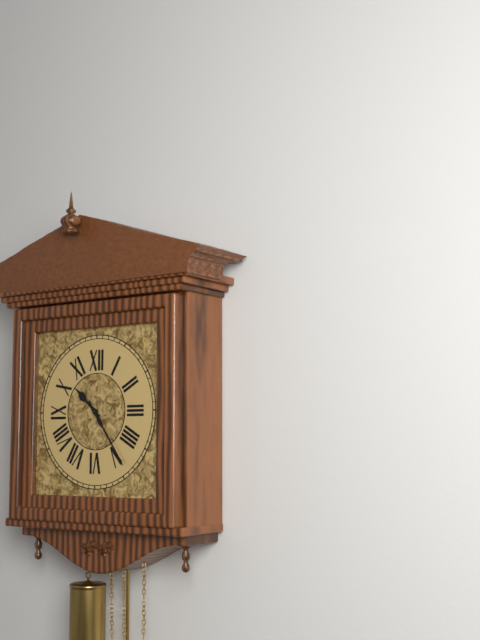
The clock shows {"hour": 10, "minute": 24}
